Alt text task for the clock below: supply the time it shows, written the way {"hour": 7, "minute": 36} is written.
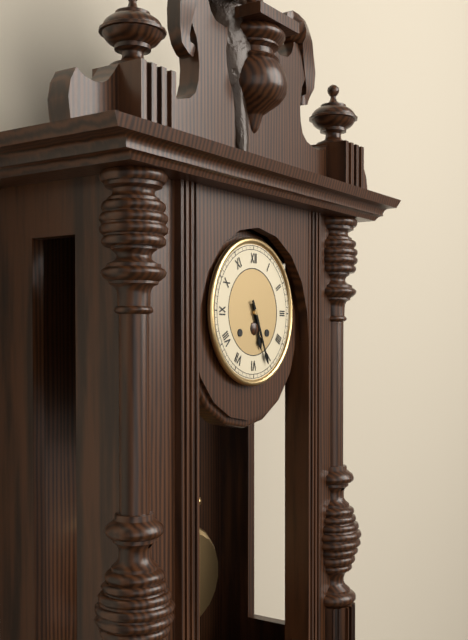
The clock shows {"hour": 5, "minute": 26}
